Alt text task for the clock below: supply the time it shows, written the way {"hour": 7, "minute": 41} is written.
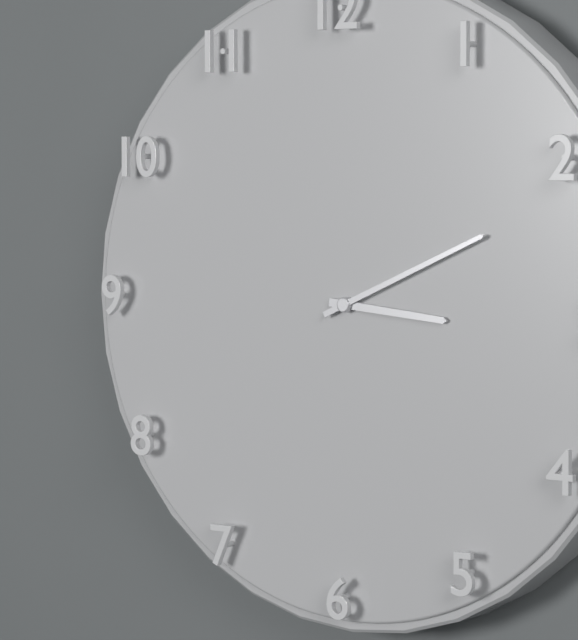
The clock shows {"hour": 3, "minute": 11}
